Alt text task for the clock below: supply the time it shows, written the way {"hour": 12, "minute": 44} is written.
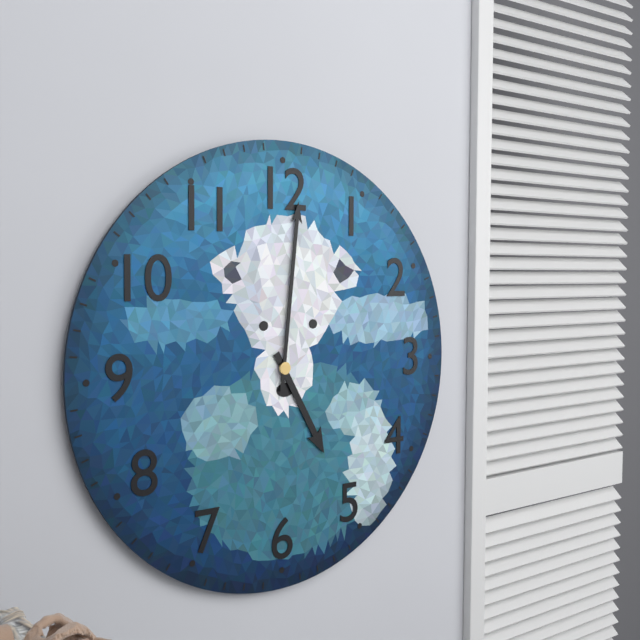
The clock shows {"hour": 5, "minute": 1}
